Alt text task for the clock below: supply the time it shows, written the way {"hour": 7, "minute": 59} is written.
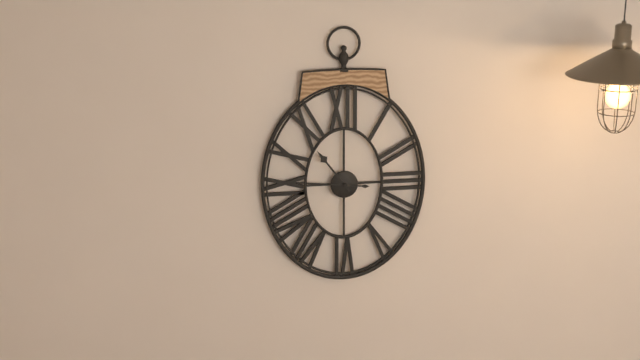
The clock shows {"hour": 10, "minute": 46}
